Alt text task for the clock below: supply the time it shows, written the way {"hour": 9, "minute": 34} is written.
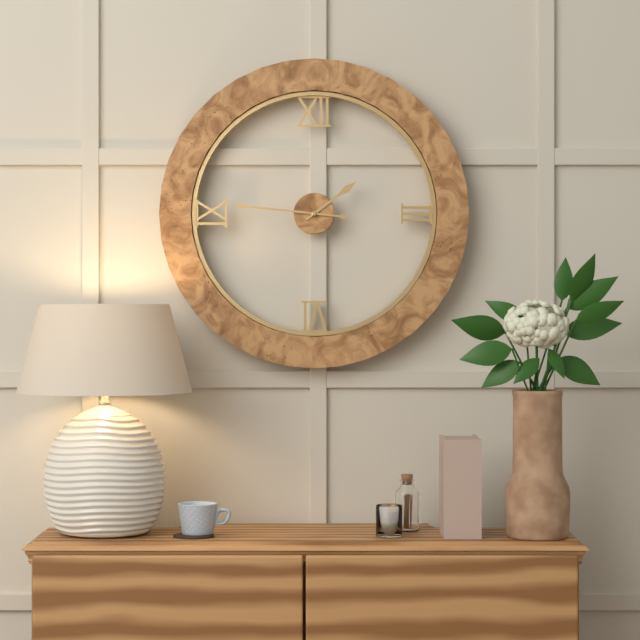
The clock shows {"hour": 1, "minute": 46}
